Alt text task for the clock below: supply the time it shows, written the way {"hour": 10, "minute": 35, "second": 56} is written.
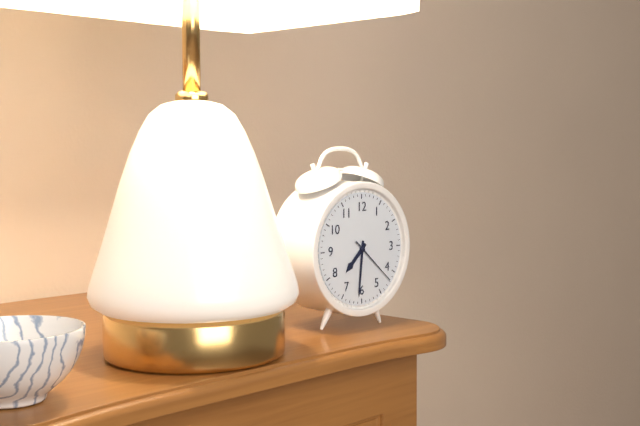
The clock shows {"hour": 7, "minute": 31, "second": 22}
